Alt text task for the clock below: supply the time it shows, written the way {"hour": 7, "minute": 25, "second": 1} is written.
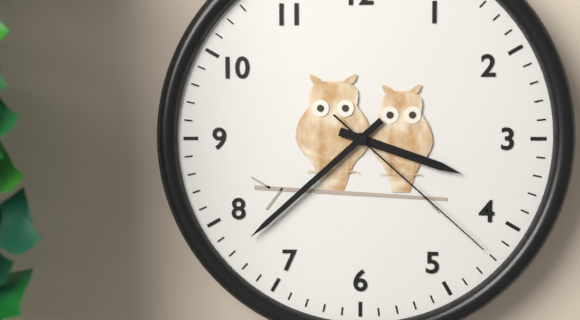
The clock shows {"hour": 3, "minute": 38, "second": 22}
